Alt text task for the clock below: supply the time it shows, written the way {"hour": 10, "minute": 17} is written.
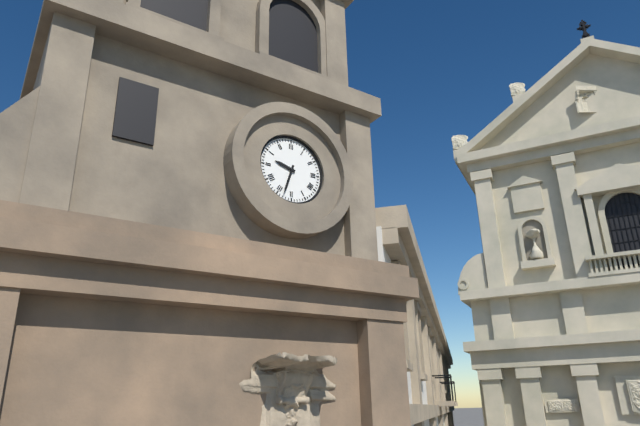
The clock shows {"hour": 9, "minute": 33}
